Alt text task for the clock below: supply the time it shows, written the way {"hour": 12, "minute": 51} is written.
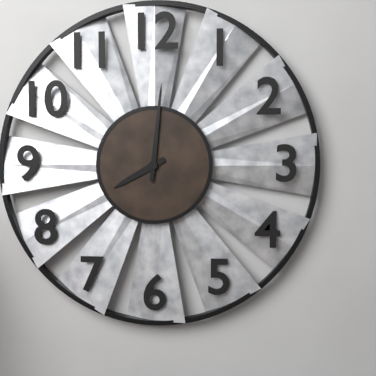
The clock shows {"hour": 8, "minute": 1}
